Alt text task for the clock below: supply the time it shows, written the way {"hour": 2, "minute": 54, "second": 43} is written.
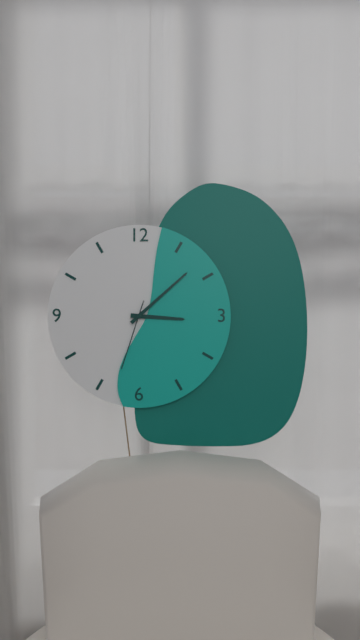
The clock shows {"hour": 3, "minute": 8, "second": 33}
